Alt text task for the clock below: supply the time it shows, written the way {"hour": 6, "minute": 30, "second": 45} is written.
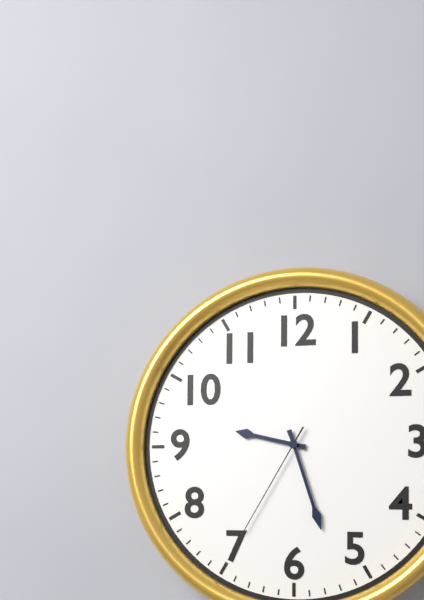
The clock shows {"hour": 9, "minute": 27, "second": 35}
